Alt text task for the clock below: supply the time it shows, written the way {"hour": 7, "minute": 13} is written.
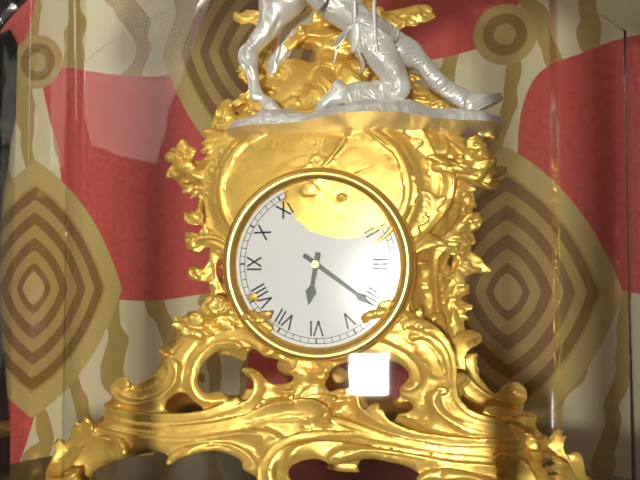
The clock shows {"hour": 6, "minute": 21}
